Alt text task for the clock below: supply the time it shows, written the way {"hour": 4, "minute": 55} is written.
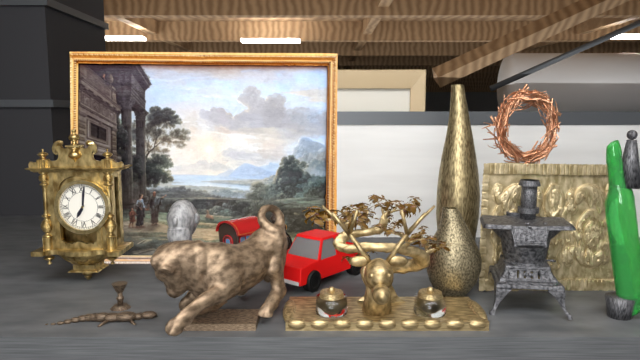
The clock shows {"hour": 7, "minute": 1}
